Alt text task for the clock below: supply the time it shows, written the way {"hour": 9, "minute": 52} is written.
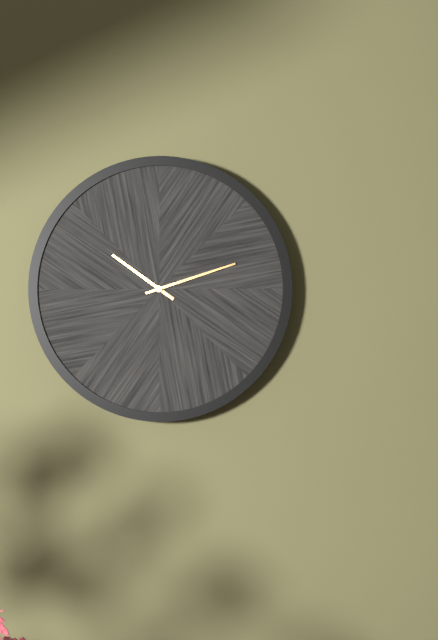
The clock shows {"hour": 10, "minute": 12}
